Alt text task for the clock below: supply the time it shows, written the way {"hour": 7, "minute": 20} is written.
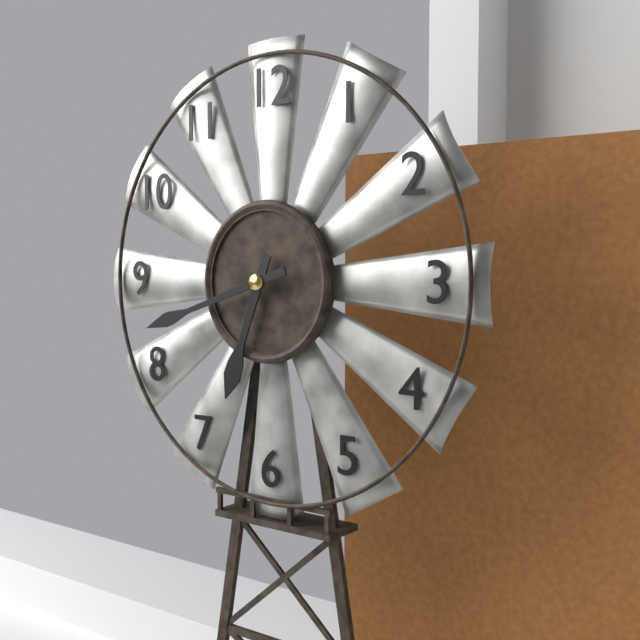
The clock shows {"hour": 6, "minute": 42}
